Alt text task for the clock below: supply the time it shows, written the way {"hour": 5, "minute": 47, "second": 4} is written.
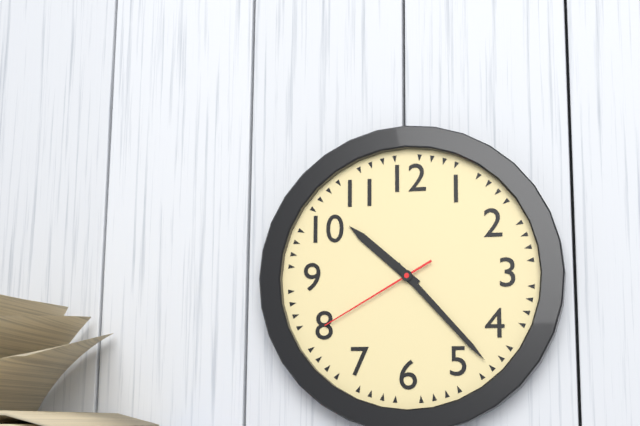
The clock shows {"hour": 10, "minute": 23, "second": 40}
